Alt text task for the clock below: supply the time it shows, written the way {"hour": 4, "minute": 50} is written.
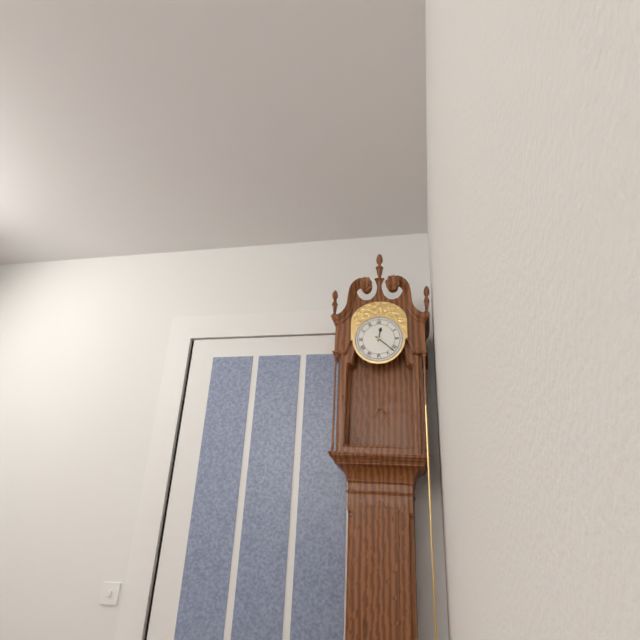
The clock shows {"hour": 12, "minute": 22}
